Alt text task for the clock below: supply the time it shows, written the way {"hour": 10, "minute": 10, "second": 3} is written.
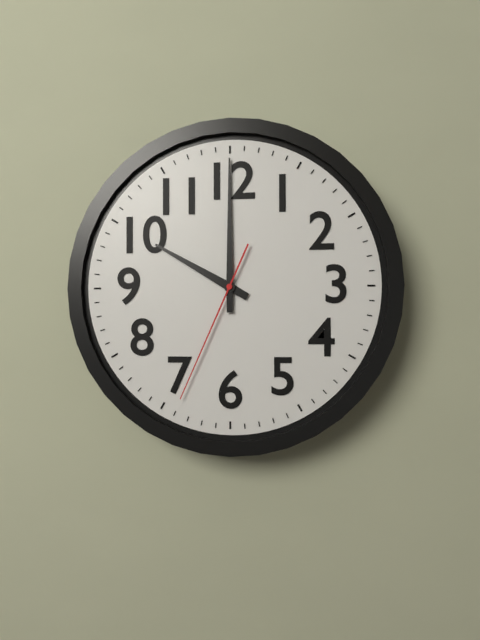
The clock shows {"hour": 10, "minute": 0, "second": 34}
